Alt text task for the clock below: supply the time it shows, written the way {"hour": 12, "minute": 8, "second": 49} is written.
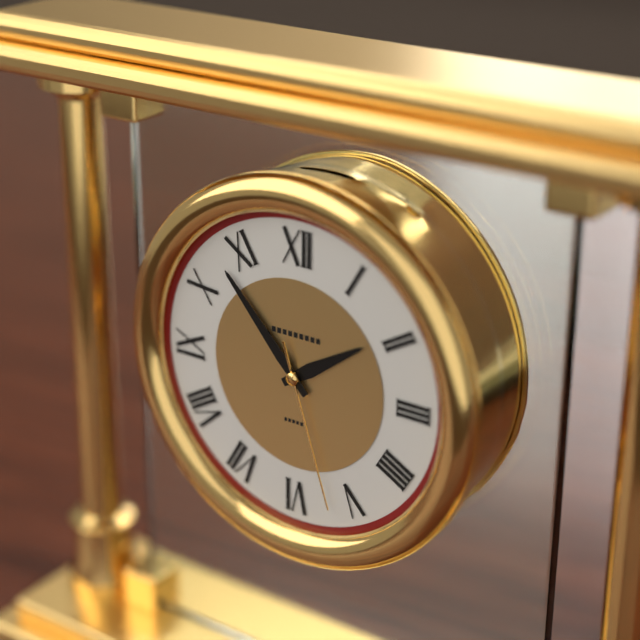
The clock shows {"hour": 1, "minute": 53, "second": 27}
